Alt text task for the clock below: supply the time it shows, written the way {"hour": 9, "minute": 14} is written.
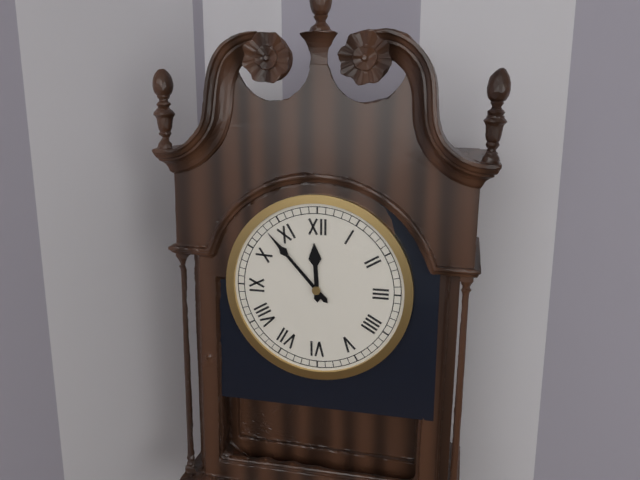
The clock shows {"hour": 11, "minute": 53}
